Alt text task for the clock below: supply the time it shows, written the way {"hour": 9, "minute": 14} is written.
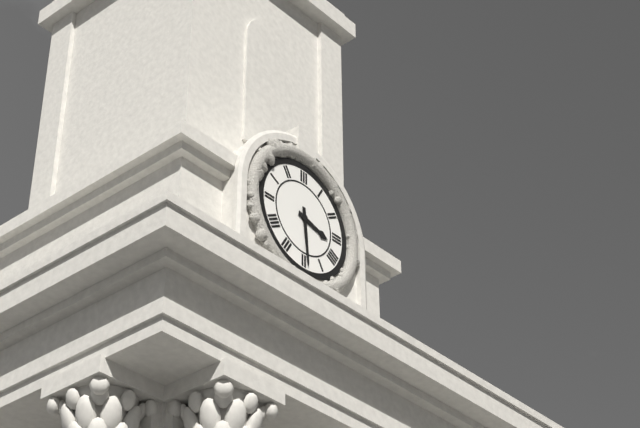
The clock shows {"hour": 3, "minute": 29}
